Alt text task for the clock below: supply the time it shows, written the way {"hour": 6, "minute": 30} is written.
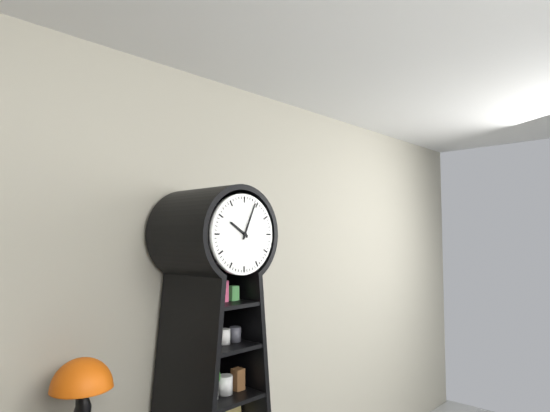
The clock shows {"hour": 10, "minute": 4}
